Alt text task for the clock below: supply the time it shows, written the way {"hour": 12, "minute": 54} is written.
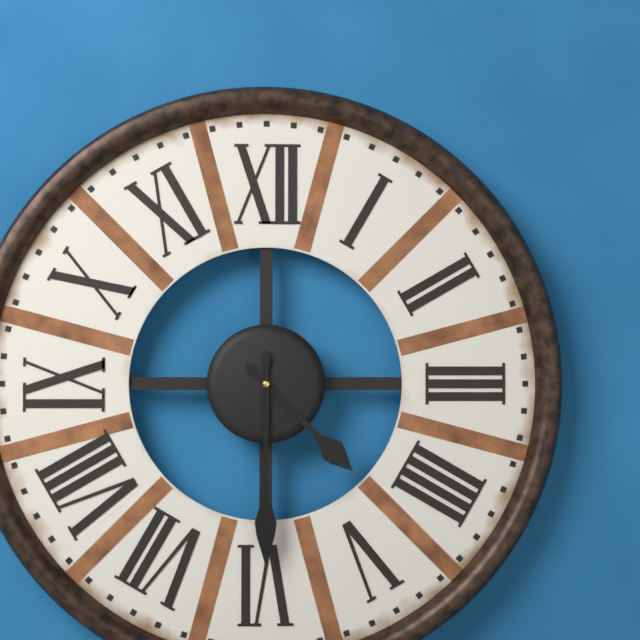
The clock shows {"hour": 4, "minute": 30}
